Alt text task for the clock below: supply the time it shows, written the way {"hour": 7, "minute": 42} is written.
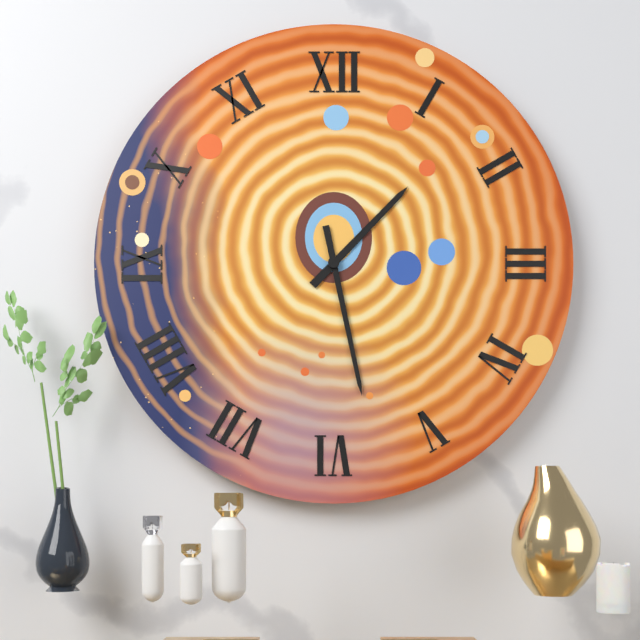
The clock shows {"hour": 1, "minute": 28}
